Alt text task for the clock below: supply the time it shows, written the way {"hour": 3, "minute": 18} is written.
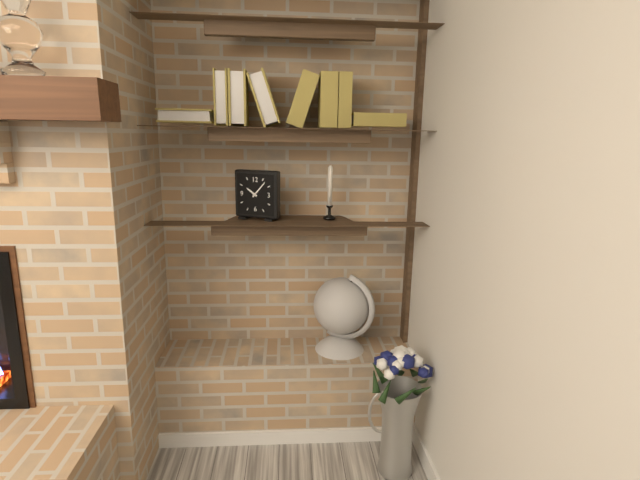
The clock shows {"hour": 10, "minute": 7}
